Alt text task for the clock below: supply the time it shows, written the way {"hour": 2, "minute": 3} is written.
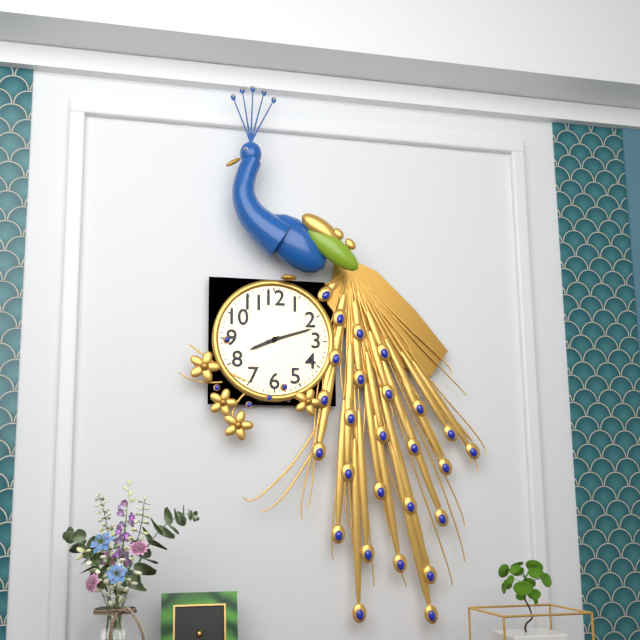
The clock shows {"hour": 8, "minute": 12}
